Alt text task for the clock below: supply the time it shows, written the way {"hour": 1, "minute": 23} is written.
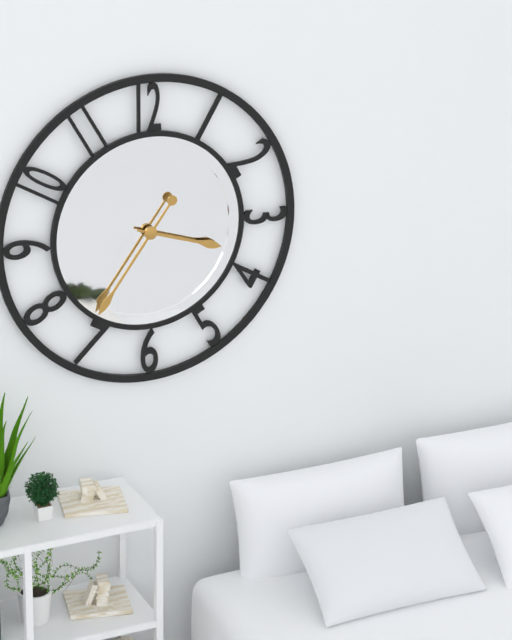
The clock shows {"hour": 3, "minute": 36}
